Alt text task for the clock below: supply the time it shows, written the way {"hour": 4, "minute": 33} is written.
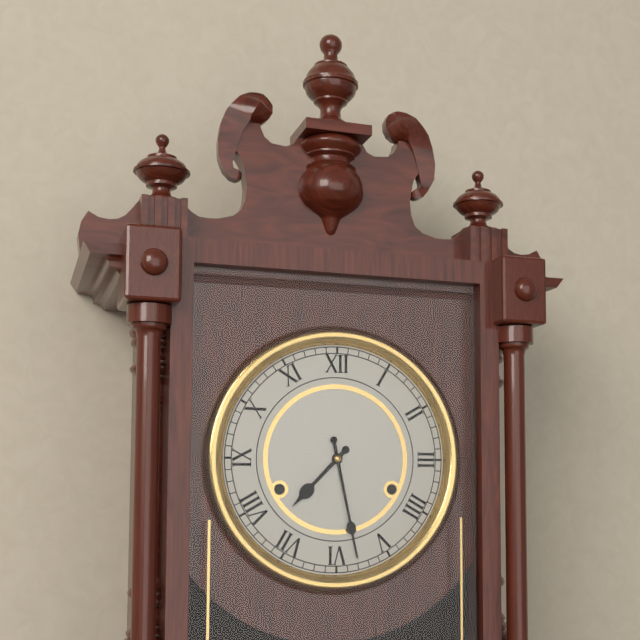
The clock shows {"hour": 7, "minute": 28}
